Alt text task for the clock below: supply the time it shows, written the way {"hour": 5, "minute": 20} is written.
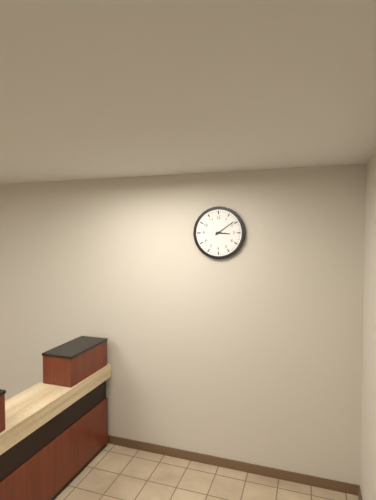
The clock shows {"hour": 3, "minute": 9}
